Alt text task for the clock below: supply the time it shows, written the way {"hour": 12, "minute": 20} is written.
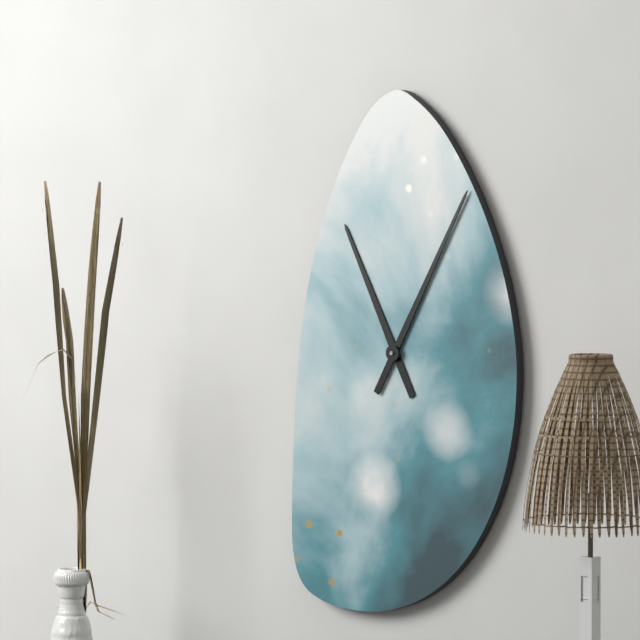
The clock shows {"hour": 11, "minute": 5}
